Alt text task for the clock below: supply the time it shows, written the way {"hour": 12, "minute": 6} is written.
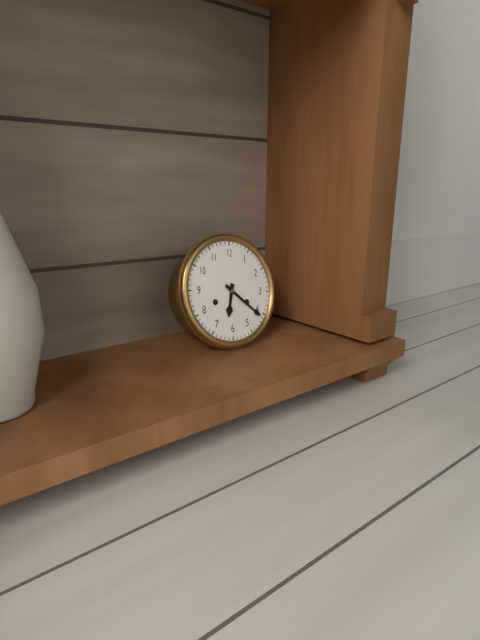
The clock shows {"hour": 6, "minute": 21}
